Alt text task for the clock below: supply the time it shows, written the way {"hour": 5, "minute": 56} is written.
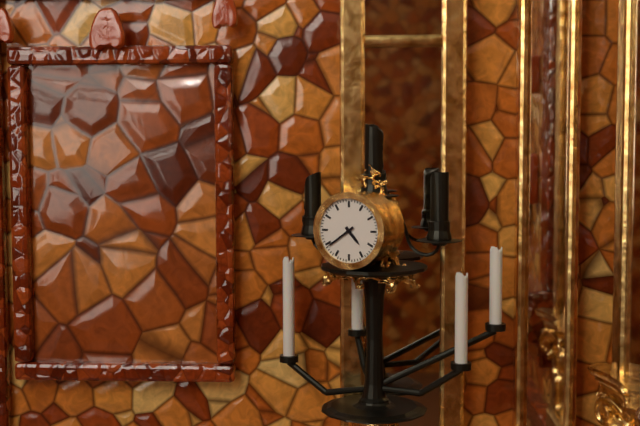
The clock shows {"hour": 4, "minute": 39}
